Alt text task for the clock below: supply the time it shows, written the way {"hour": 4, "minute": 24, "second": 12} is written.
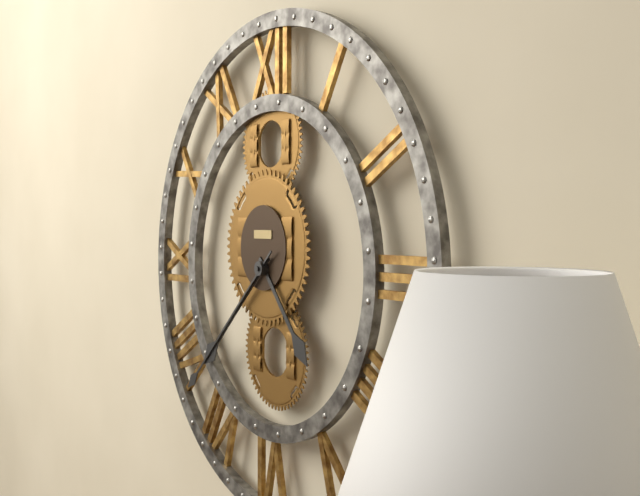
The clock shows {"hour": 4, "minute": 38, "second": 38}
